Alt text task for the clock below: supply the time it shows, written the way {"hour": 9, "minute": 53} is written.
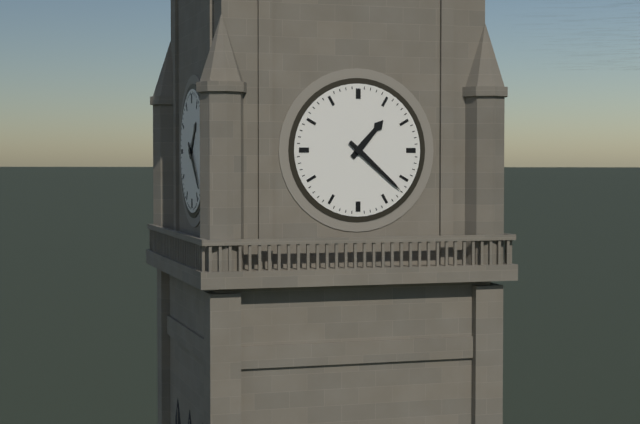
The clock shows {"hour": 1, "minute": 22}
